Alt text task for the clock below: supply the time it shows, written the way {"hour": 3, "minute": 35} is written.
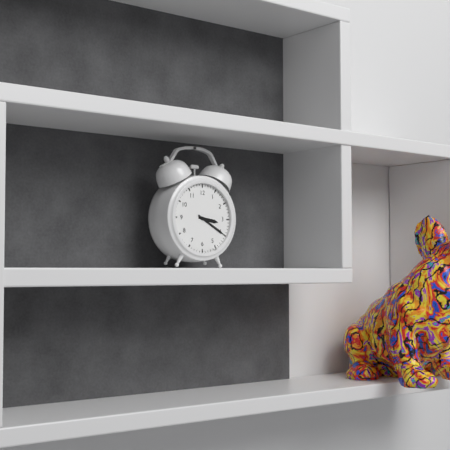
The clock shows {"hour": 3, "minute": 20}
